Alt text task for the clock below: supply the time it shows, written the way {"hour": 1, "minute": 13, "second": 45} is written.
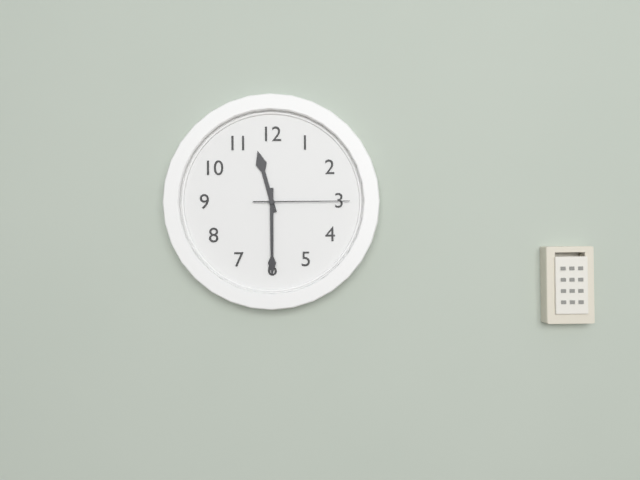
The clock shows {"hour": 11, "minute": 30, "second": 15}
